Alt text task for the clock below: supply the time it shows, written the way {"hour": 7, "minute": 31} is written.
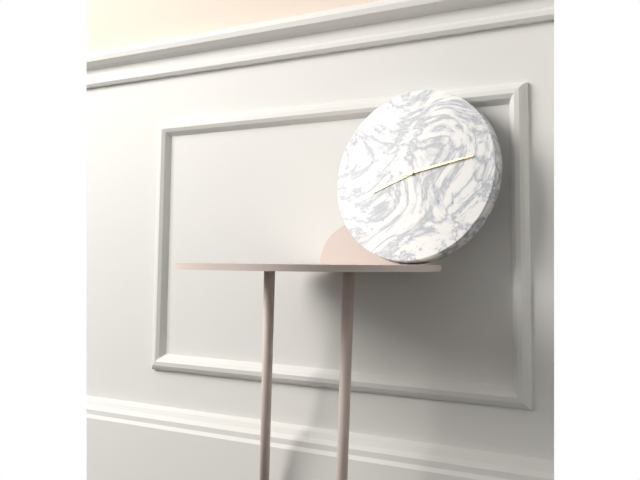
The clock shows {"hour": 8, "minute": 13}
